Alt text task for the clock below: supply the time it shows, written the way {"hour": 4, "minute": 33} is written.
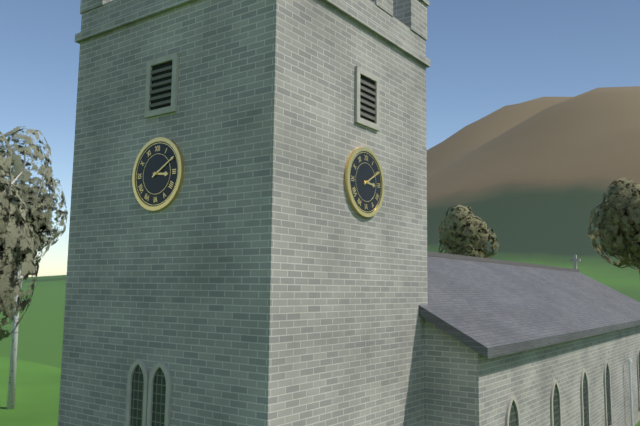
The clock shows {"hour": 3, "minute": 10}
